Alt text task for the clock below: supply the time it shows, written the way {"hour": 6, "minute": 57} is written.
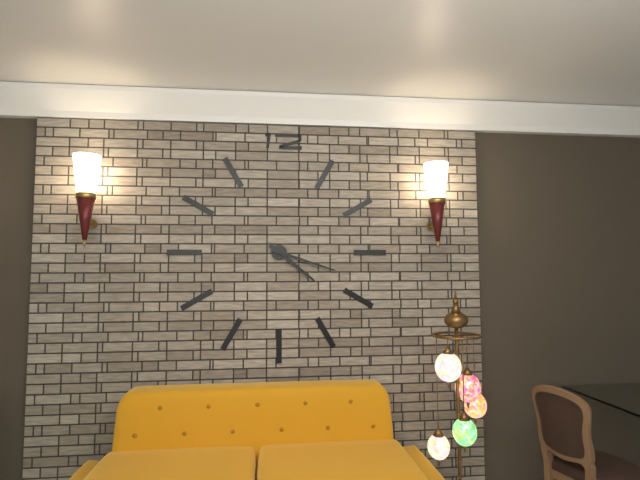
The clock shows {"hour": 4, "minute": 18}
